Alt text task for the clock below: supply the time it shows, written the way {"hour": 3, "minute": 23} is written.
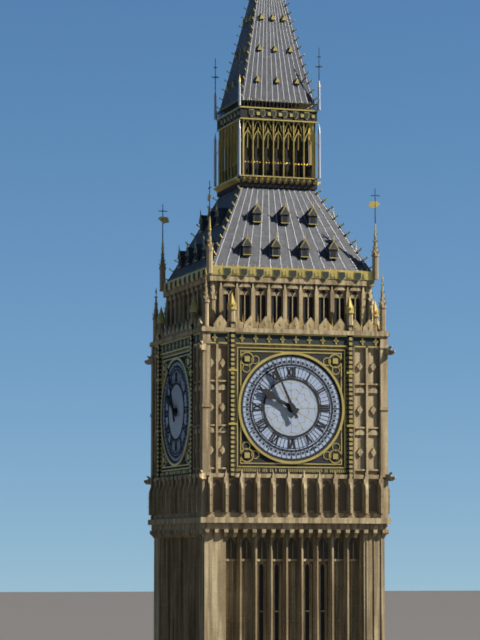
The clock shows {"hour": 9, "minute": 56}
